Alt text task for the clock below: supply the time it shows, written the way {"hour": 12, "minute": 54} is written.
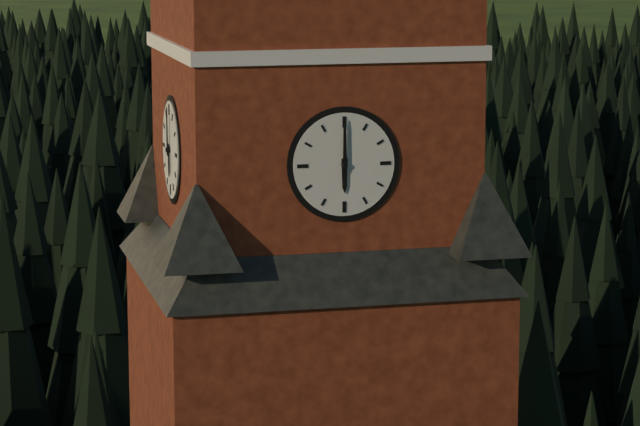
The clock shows {"hour": 6, "minute": 0}
